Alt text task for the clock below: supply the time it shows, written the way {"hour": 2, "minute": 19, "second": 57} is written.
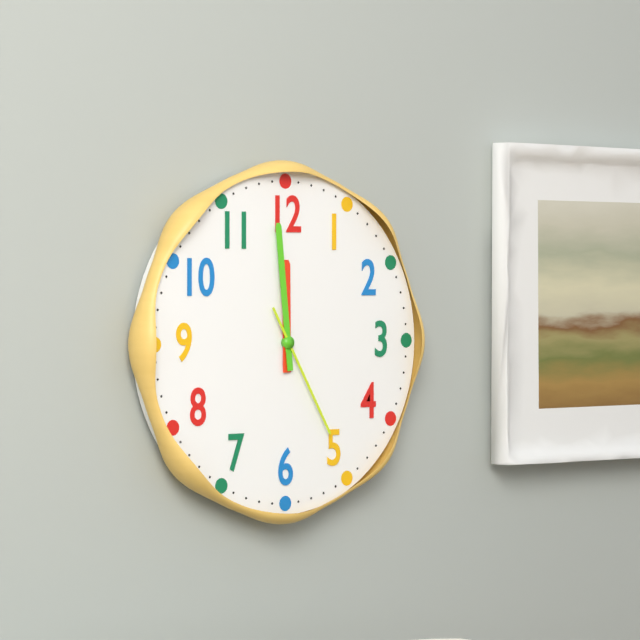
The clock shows {"hour": 11, "minute": 59, "second": 25}
